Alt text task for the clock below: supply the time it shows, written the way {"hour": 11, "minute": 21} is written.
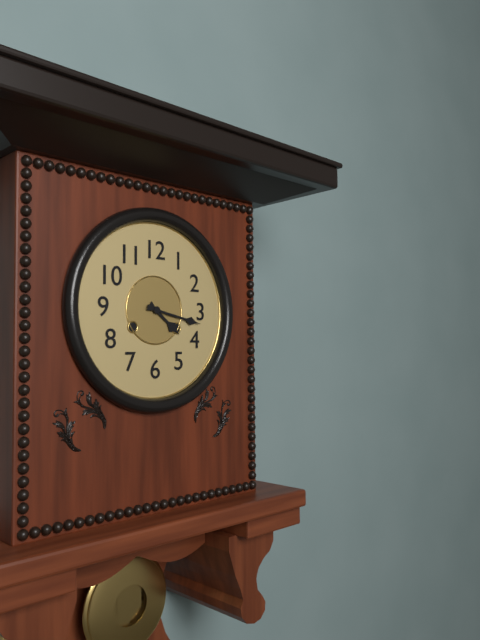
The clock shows {"hour": 4, "minute": 17}
